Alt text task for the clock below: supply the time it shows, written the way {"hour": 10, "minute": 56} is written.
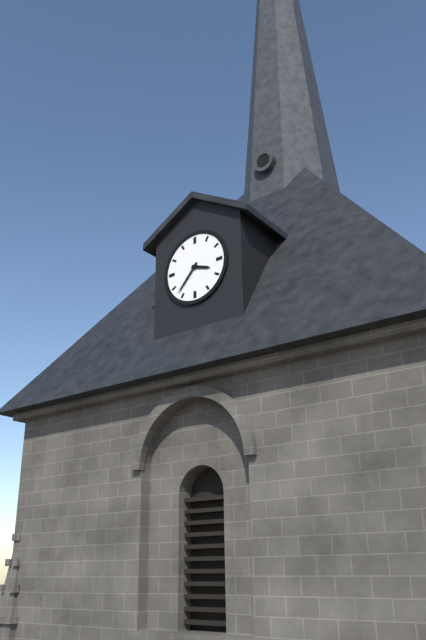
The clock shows {"hour": 3, "minute": 37}
